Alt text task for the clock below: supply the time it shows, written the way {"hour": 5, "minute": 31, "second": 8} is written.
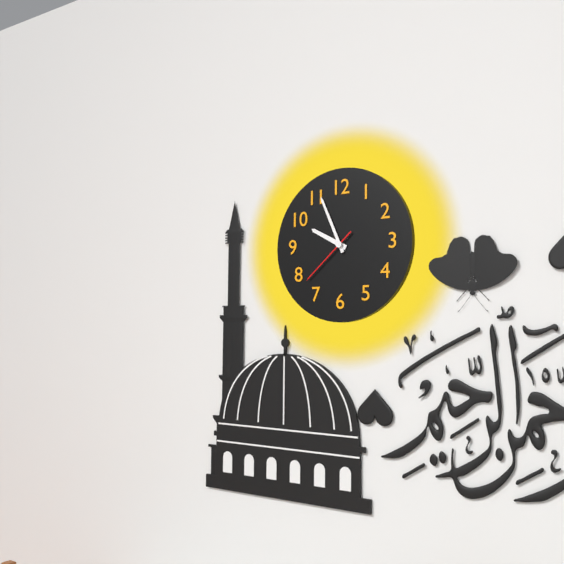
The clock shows {"hour": 9, "minute": 56, "second": 38}
